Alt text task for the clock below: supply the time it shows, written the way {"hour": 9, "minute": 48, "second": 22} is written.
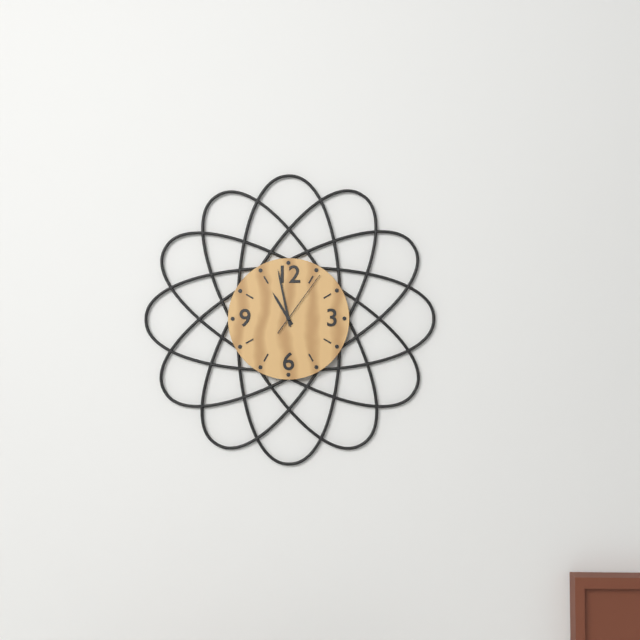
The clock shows {"hour": 10, "minute": 58, "second": 6}
